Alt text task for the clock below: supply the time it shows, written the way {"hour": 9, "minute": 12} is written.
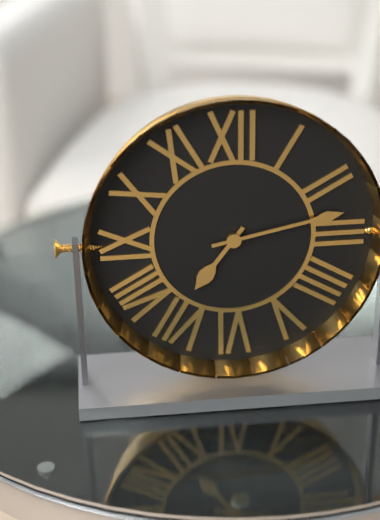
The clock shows {"hour": 7, "minute": 13}
